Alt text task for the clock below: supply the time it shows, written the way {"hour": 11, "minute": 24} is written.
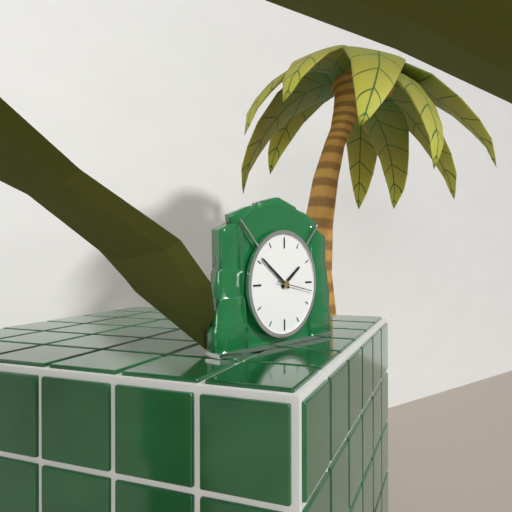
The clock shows {"hour": 1, "minute": 51}
